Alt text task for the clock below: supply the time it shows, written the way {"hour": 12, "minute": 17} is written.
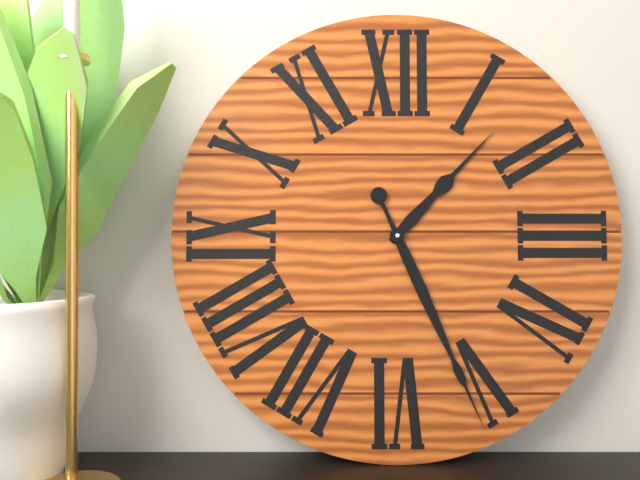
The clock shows {"hour": 1, "minute": 26}
